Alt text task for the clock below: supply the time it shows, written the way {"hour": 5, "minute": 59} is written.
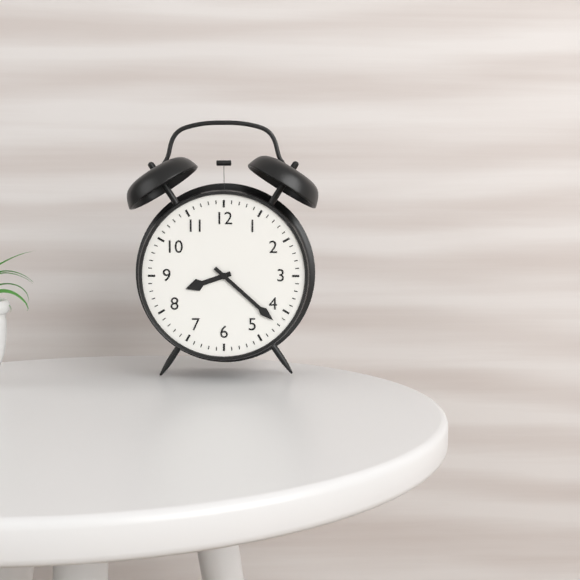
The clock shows {"hour": 8, "minute": 22}
